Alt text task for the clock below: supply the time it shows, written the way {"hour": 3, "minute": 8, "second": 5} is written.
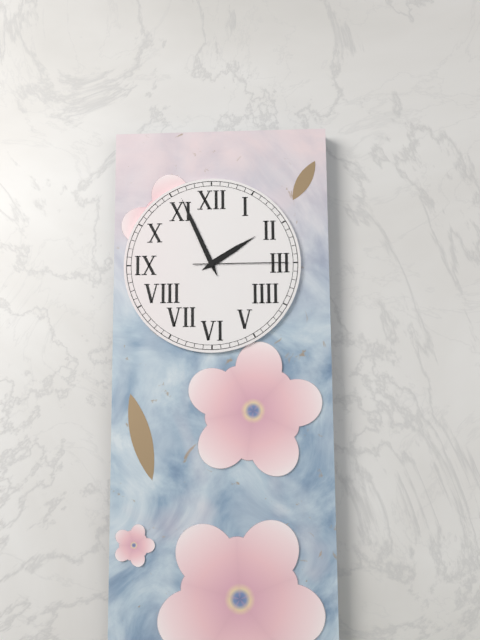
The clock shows {"hour": 1, "minute": 56, "second": 15}
